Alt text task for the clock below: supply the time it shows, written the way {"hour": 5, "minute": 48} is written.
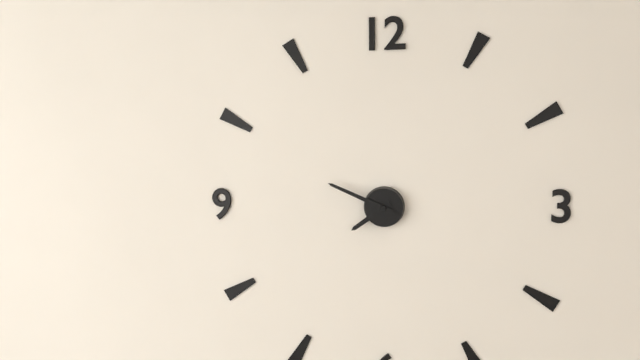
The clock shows {"hour": 7, "minute": 49}
